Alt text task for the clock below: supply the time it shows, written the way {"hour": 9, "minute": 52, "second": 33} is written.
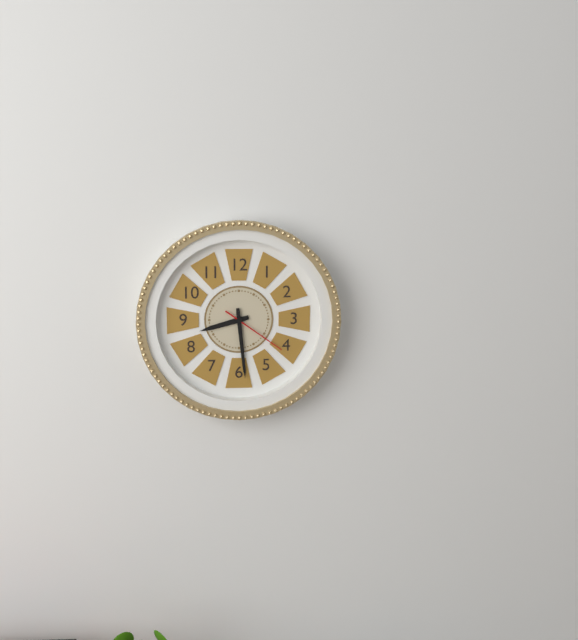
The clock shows {"hour": 8, "minute": 29, "second": 21}
